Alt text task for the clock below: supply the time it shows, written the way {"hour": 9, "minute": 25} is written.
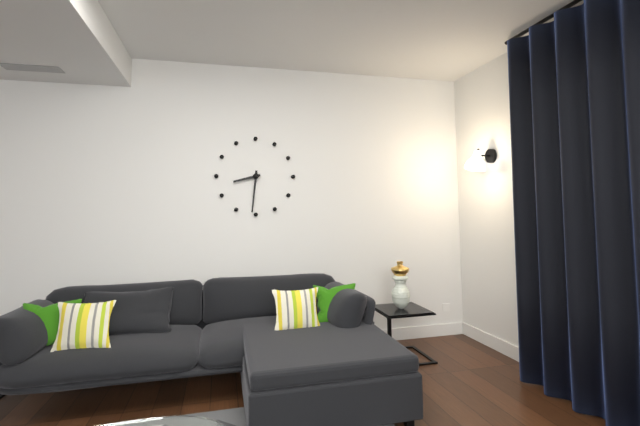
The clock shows {"hour": 8, "minute": 31}
